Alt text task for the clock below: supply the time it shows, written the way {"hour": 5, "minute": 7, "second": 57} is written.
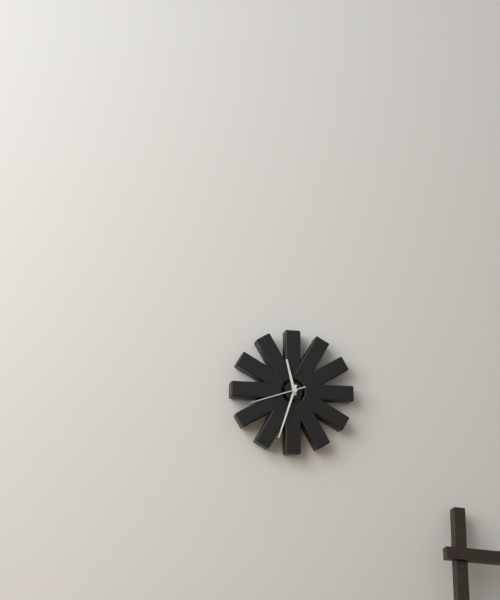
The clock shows {"hour": 11, "minute": 33, "second": 42}
